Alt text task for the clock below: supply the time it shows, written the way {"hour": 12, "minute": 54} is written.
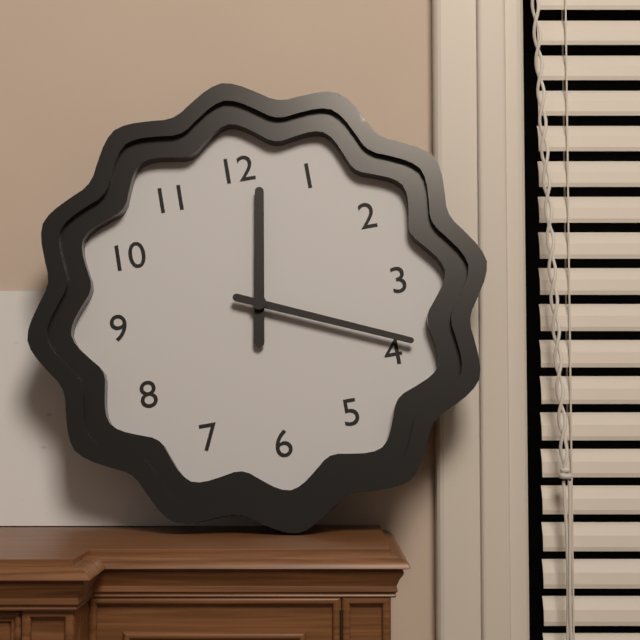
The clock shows {"hour": 12, "minute": 19}
